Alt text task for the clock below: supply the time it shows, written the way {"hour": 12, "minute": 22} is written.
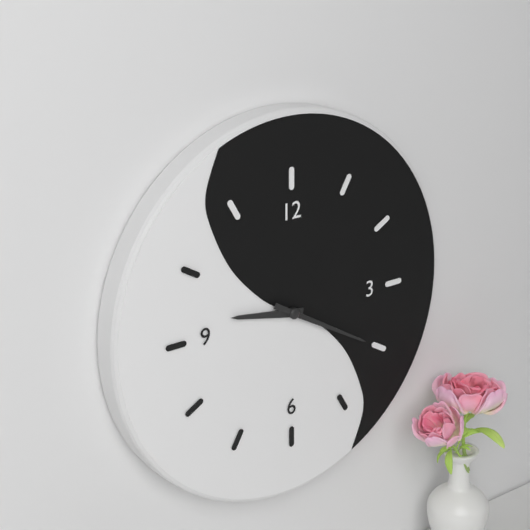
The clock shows {"hour": 9, "minute": 20}
